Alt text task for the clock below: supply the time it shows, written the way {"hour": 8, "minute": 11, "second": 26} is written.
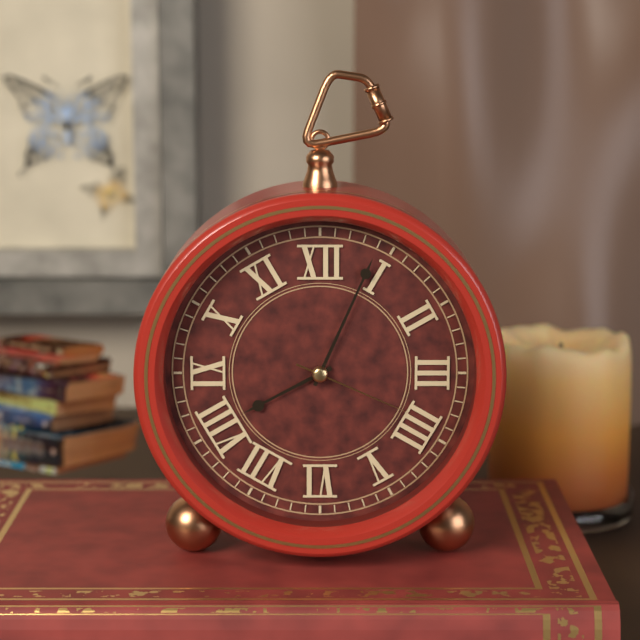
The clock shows {"hour": 8, "minute": 4, "second": 19}
